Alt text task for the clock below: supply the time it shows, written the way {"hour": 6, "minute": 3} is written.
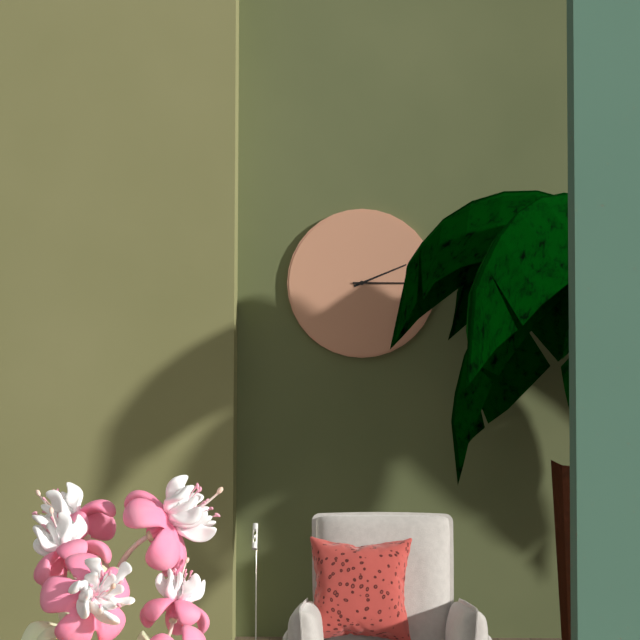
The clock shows {"hour": 2, "minute": 15}
